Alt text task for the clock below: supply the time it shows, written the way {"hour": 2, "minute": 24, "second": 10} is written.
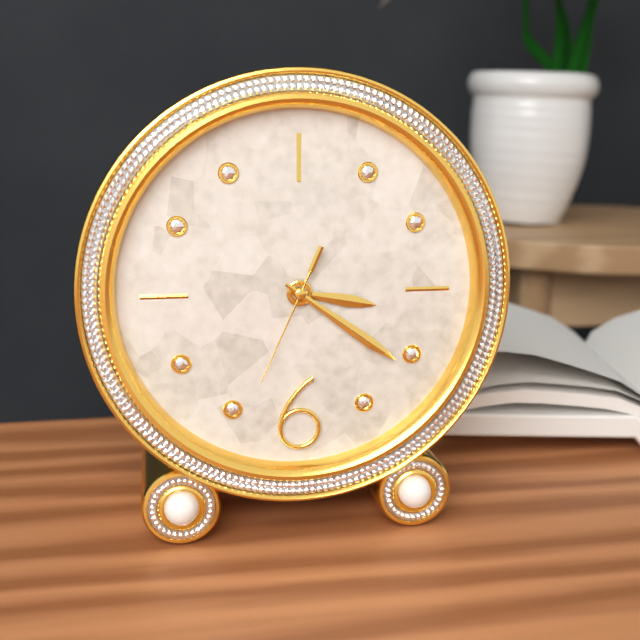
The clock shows {"hour": 3, "minute": 21, "second": 34}
